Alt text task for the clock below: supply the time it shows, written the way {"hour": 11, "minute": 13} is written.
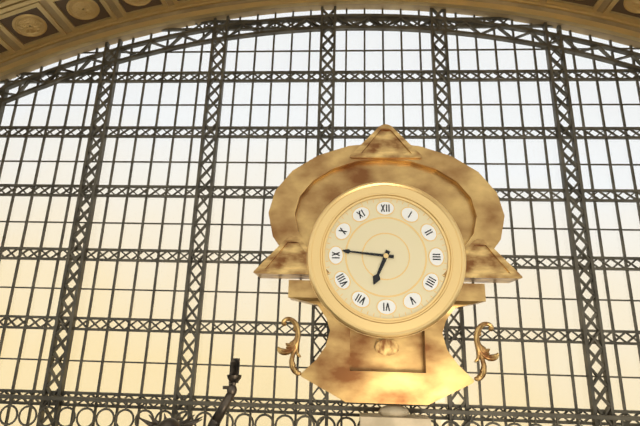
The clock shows {"hour": 6, "minute": 46}
